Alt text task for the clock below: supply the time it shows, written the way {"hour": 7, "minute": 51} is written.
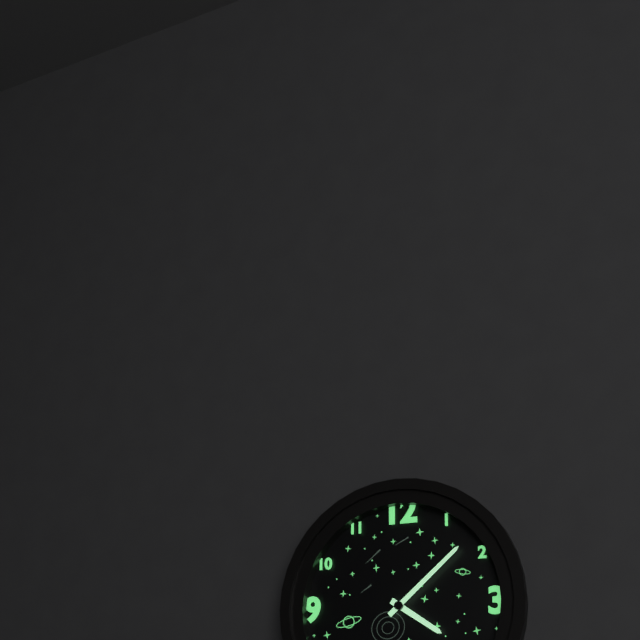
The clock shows {"hour": 4, "minute": 8}
